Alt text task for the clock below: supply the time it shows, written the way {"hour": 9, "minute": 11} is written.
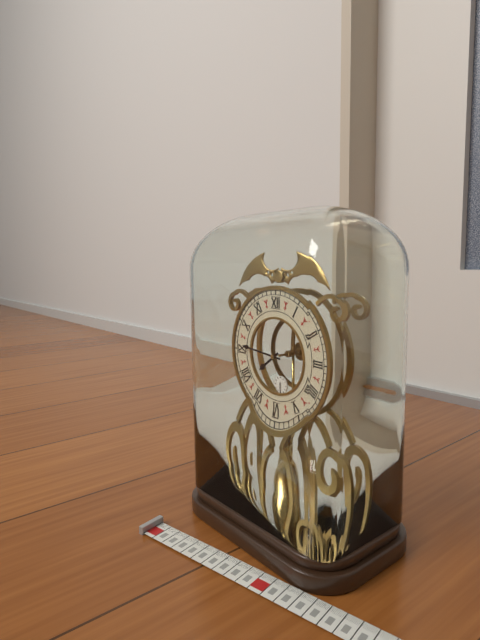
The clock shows {"hour": 7, "minute": 46}
